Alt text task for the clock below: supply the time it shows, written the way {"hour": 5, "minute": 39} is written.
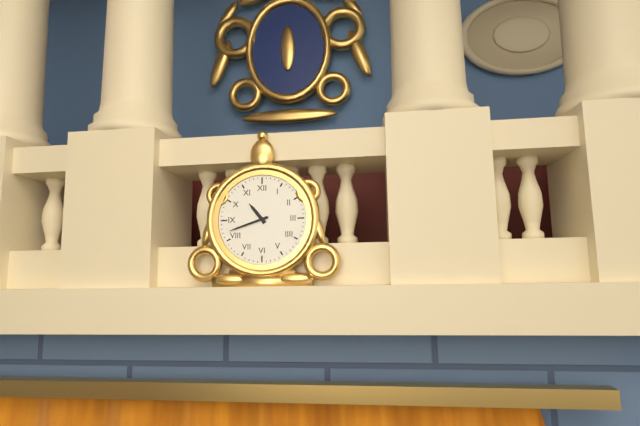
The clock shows {"hour": 10, "minute": 42}
